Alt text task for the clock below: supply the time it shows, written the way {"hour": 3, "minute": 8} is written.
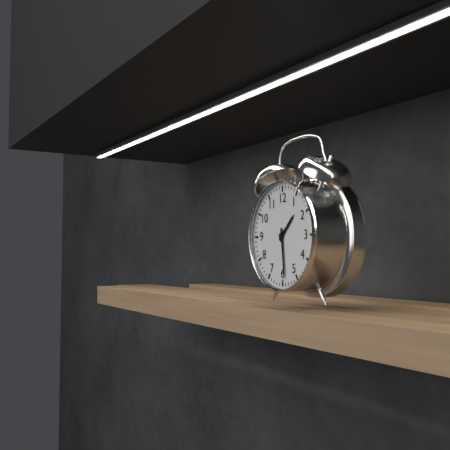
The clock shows {"hour": 1, "minute": 29}
